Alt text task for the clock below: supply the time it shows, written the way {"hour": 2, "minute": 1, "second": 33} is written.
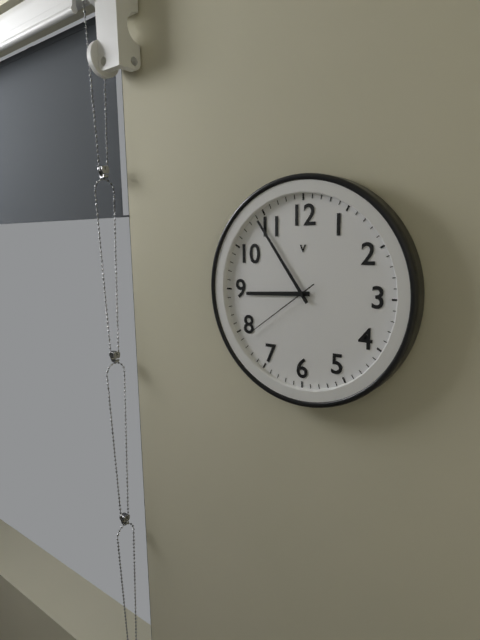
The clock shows {"hour": 8, "minute": 54, "second": 39}
